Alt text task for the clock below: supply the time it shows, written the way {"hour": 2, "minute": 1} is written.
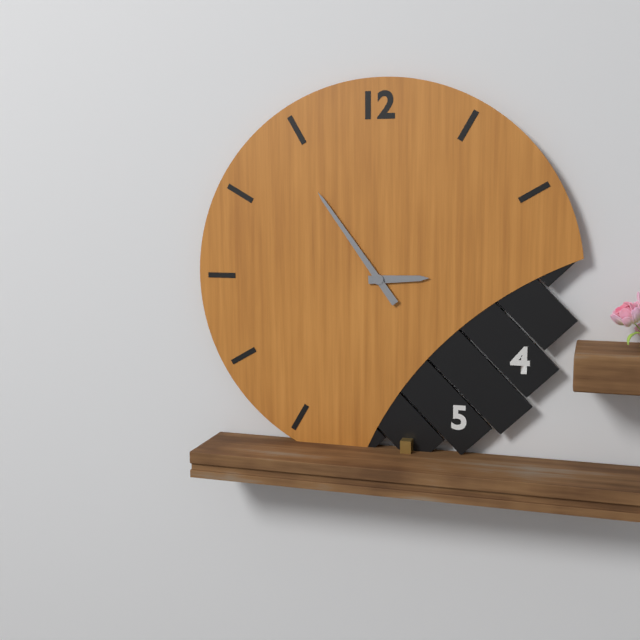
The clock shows {"hour": 2, "minute": 54}
